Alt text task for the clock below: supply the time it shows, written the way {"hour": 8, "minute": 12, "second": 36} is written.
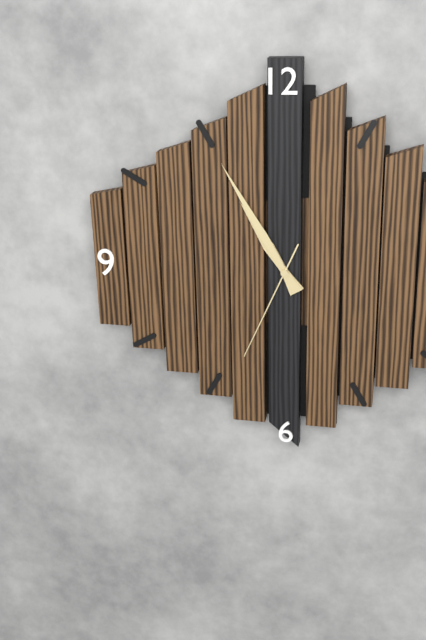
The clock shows {"hour": 10, "minute": 55, "second": 34}
